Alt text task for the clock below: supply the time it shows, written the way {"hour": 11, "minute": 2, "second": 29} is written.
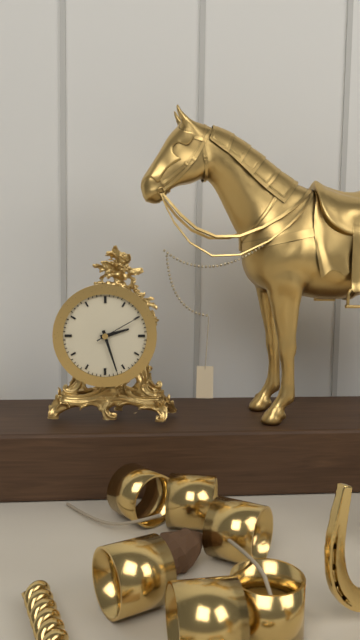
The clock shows {"hour": 2, "minute": 27, "second": 10}
